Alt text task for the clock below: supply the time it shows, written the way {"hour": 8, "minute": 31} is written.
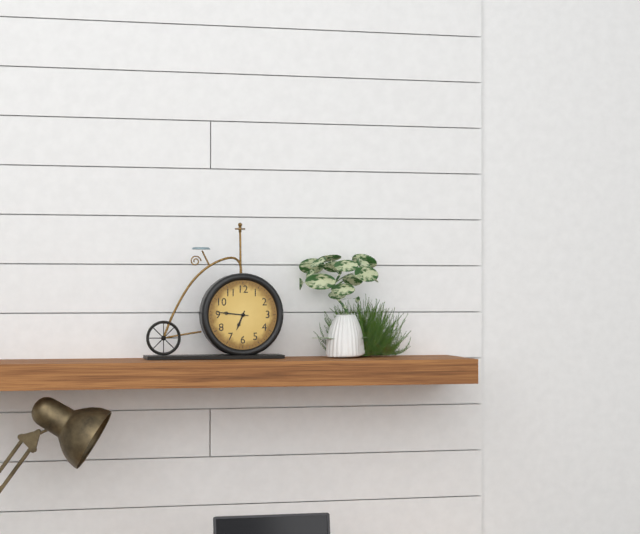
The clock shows {"hour": 6, "minute": 46}
